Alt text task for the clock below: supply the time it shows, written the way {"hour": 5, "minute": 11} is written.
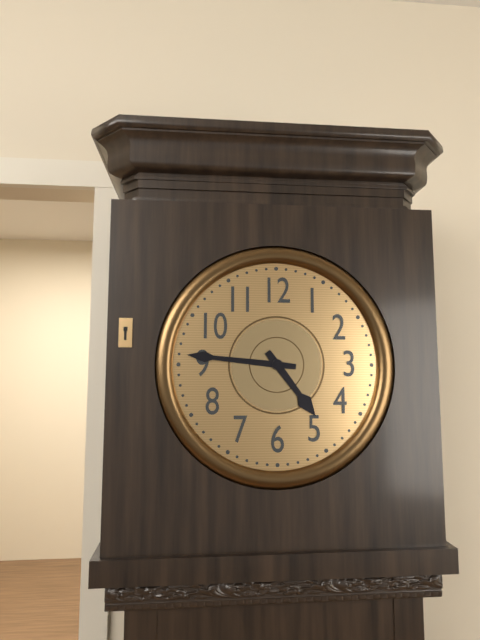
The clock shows {"hour": 4, "minute": 46}
